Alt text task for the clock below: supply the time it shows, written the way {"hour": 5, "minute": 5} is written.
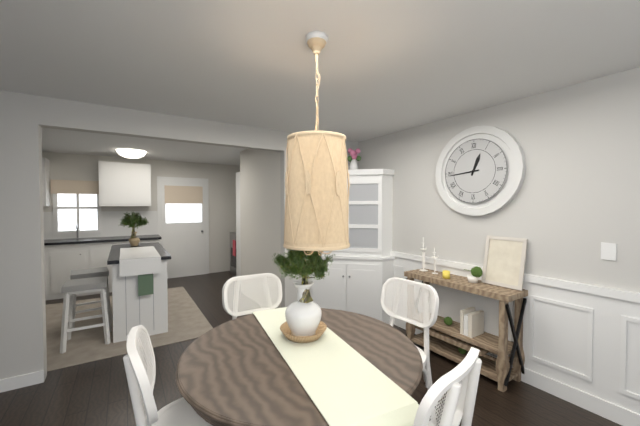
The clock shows {"hour": 12, "minute": 44}
